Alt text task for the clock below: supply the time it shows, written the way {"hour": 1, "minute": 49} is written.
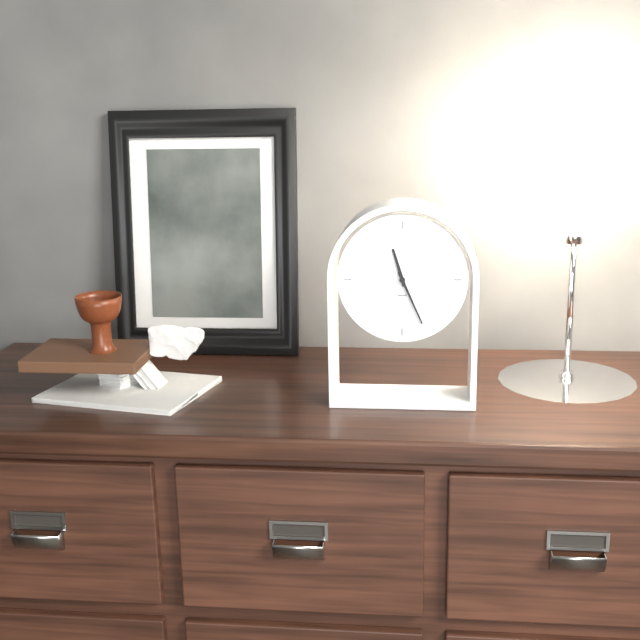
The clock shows {"hour": 11, "minute": 26}
